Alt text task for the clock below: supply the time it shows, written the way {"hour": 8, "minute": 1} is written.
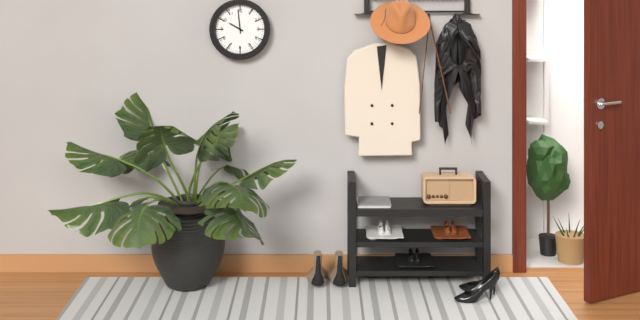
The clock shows {"hour": 9, "minute": 59}
